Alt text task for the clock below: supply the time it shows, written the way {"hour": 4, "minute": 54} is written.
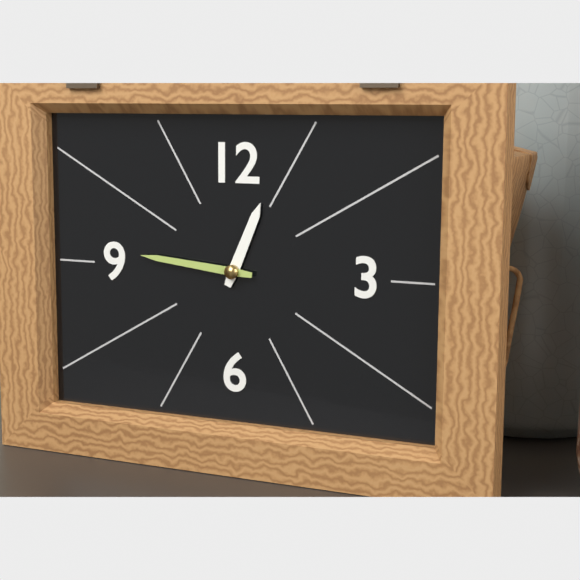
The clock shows {"hour": 12, "minute": 46}
